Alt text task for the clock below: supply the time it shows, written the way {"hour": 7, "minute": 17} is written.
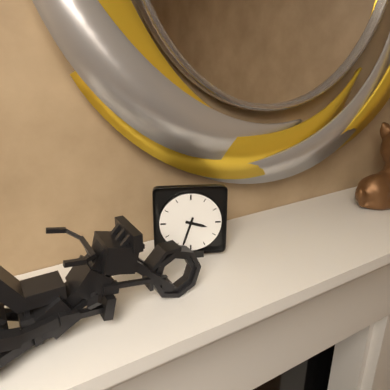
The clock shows {"hour": 3, "minute": 33}
